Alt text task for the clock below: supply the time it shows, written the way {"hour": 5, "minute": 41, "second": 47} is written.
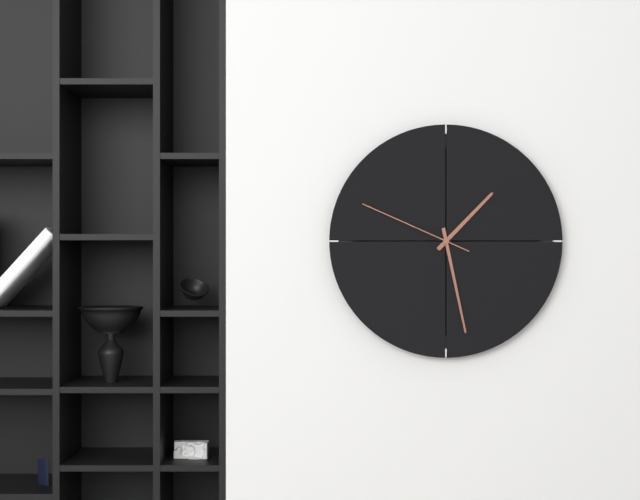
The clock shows {"hour": 1, "minute": 28, "second": 49}
